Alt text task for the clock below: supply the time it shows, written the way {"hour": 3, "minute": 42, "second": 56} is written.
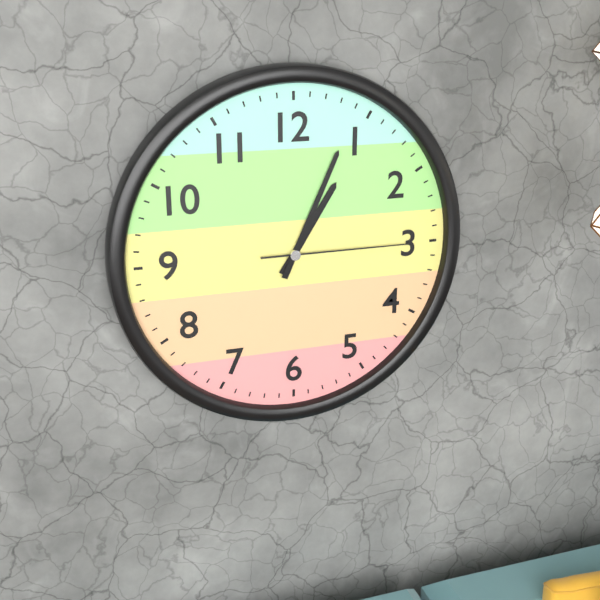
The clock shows {"hour": 1, "minute": 4, "second": 15}
